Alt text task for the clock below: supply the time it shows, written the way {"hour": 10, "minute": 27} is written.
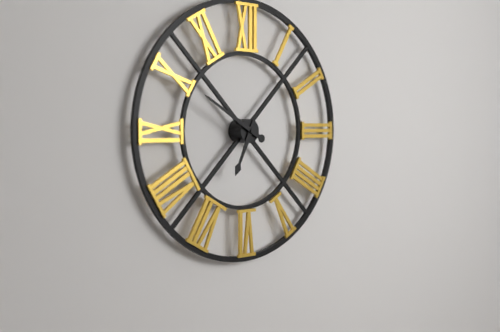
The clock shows {"hour": 6, "minute": 50}
